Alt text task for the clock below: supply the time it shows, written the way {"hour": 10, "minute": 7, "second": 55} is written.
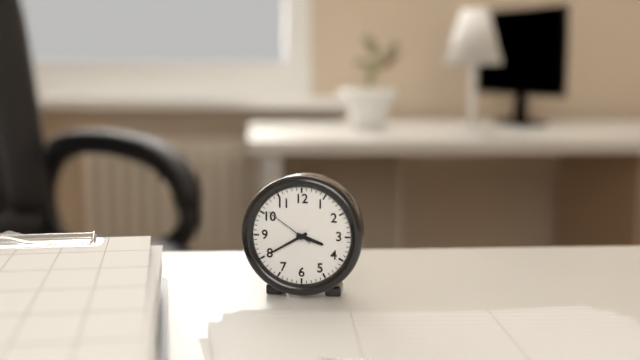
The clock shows {"hour": 3, "minute": 40, "second": 51}
